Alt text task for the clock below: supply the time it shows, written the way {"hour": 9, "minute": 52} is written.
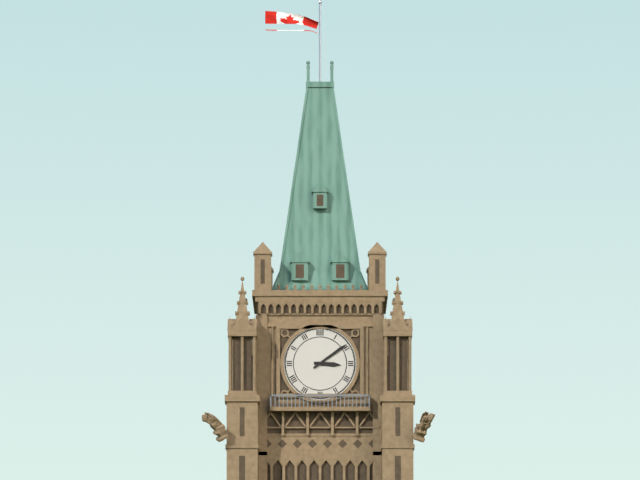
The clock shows {"hour": 3, "minute": 9}
